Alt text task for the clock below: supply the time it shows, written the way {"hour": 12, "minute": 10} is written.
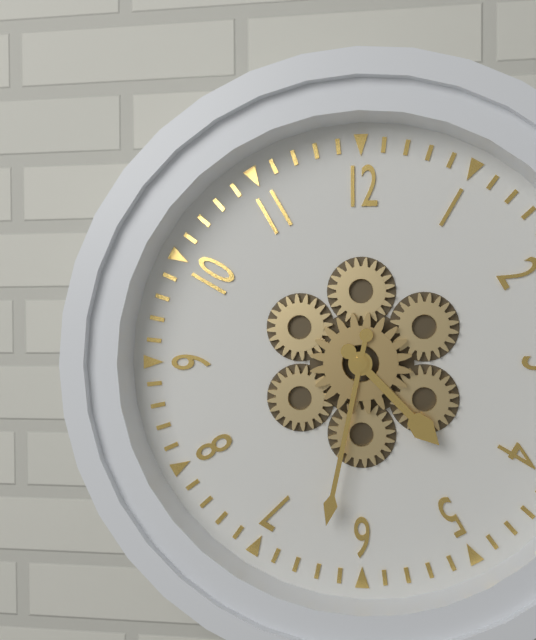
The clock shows {"hour": 4, "minute": 32}
